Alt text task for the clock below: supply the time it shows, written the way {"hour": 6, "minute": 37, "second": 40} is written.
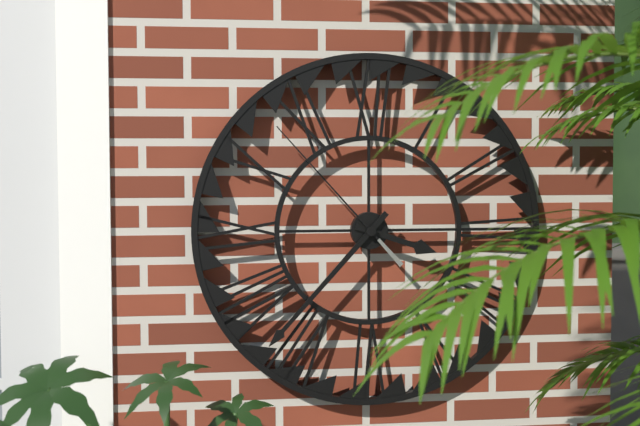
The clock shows {"hour": 3, "minute": 37, "second": 53}
